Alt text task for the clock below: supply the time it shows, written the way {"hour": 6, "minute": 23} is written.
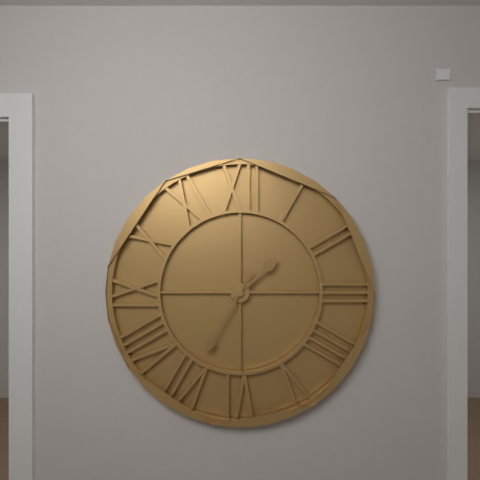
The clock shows {"hour": 1, "minute": 35}
